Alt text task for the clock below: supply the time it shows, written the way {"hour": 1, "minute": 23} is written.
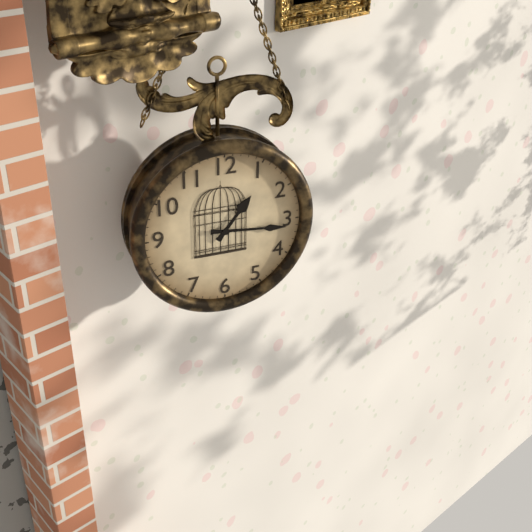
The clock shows {"hour": 1, "minute": 16}
